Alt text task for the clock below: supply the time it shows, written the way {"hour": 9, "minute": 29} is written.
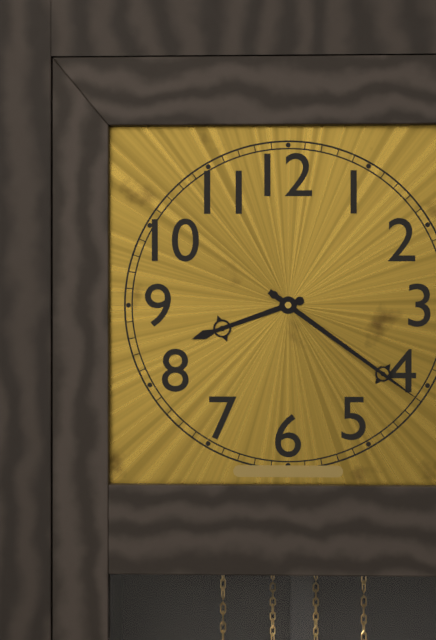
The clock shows {"hour": 8, "minute": 21}
